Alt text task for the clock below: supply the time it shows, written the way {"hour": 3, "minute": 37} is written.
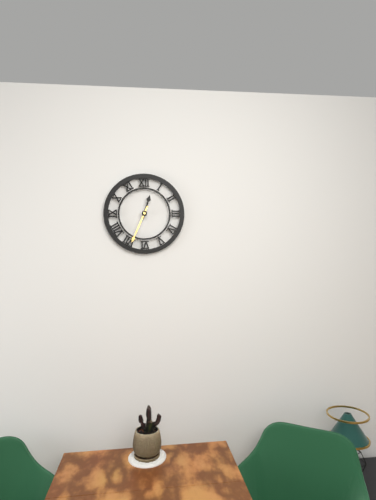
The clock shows {"hour": 12, "minute": 34}
